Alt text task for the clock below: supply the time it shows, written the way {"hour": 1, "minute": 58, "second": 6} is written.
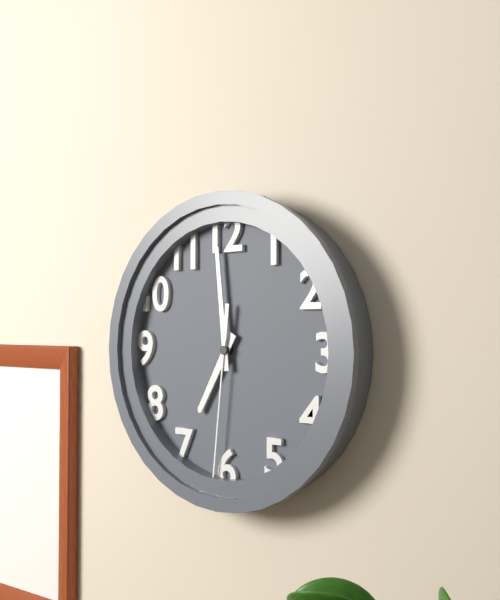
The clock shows {"hour": 6, "minute": 59, "second": 31}
